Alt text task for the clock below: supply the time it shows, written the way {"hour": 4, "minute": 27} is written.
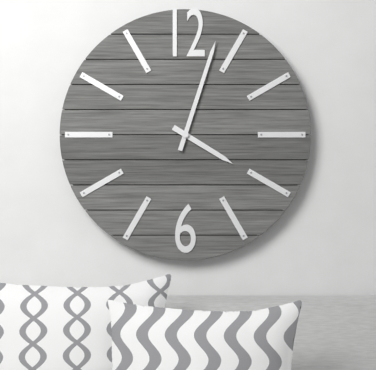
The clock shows {"hour": 4, "minute": 3}
